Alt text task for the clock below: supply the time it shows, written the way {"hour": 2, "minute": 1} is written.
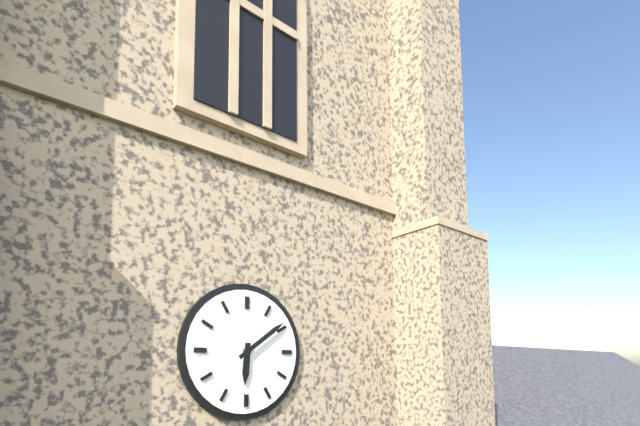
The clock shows {"hour": 6, "minute": 9}
